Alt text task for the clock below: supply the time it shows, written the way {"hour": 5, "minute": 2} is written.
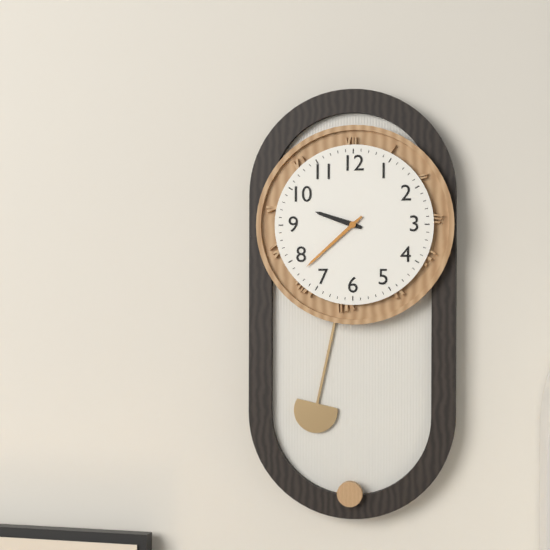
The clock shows {"hour": 9, "minute": 38}
